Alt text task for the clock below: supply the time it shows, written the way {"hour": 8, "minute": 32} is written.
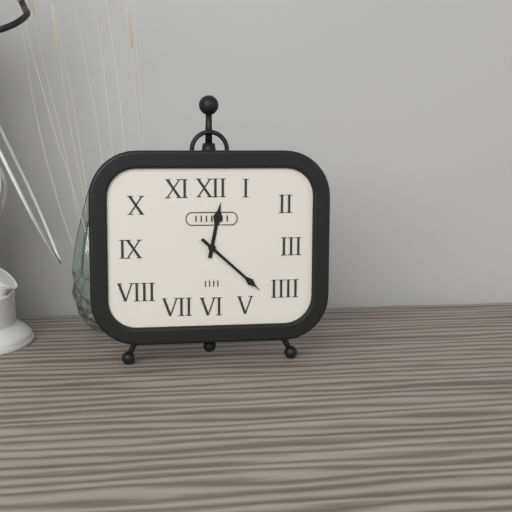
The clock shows {"hour": 12, "minute": 22}
